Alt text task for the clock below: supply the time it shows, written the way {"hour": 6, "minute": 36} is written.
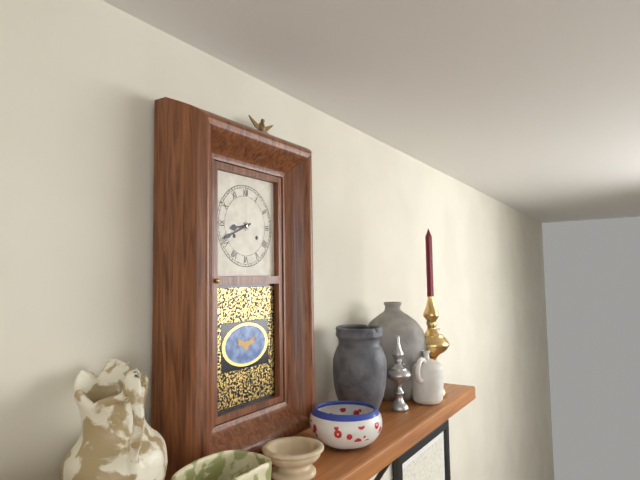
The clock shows {"hour": 8, "minute": 41}
